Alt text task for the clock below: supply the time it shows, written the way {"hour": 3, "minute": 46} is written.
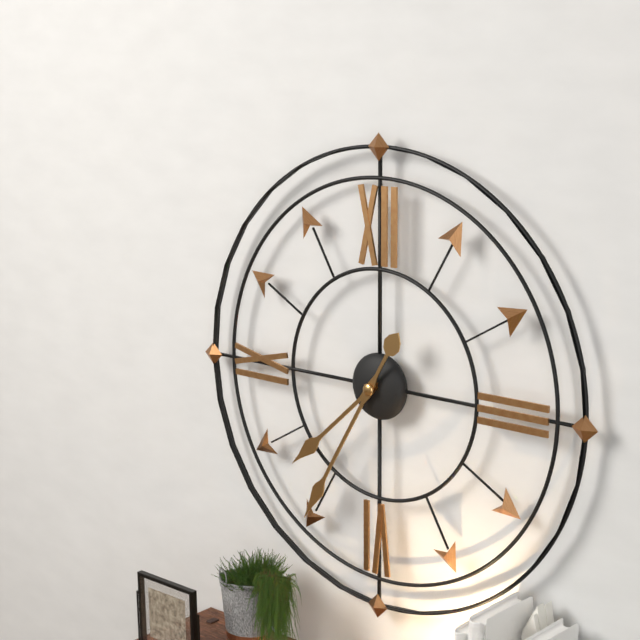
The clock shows {"hour": 7, "minute": 35}
